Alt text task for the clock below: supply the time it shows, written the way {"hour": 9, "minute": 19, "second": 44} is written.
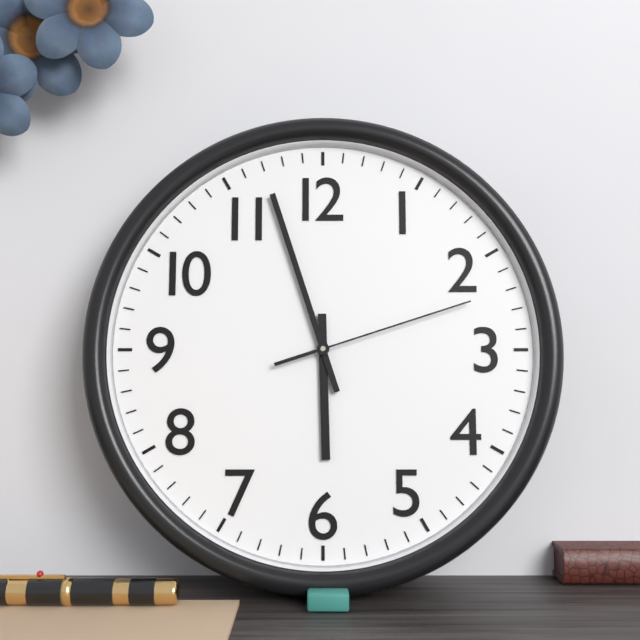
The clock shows {"hour": 5, "minute": 57, "second": 12}
